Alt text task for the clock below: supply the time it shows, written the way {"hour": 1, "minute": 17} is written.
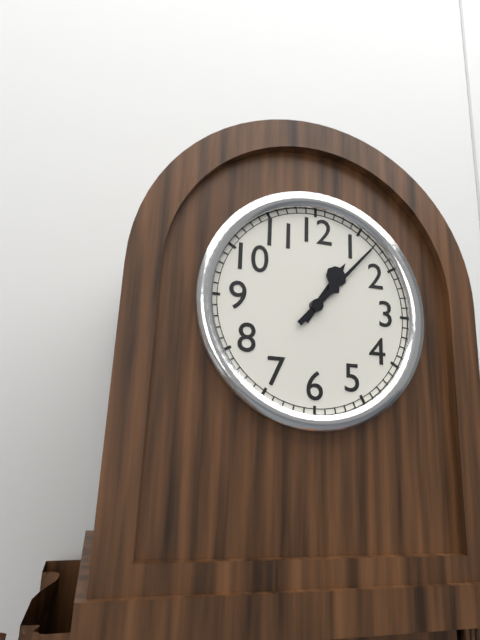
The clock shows {"hour": 1, "minute": 7}
